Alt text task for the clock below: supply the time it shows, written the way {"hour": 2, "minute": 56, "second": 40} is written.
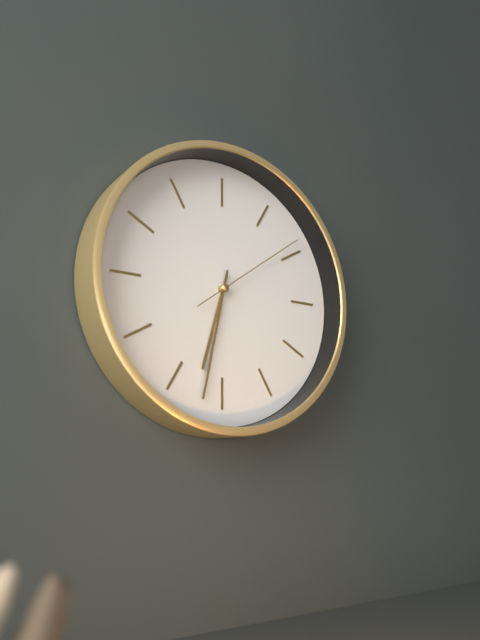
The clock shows {"hour": 6, "minute": 32, "second": 9}
